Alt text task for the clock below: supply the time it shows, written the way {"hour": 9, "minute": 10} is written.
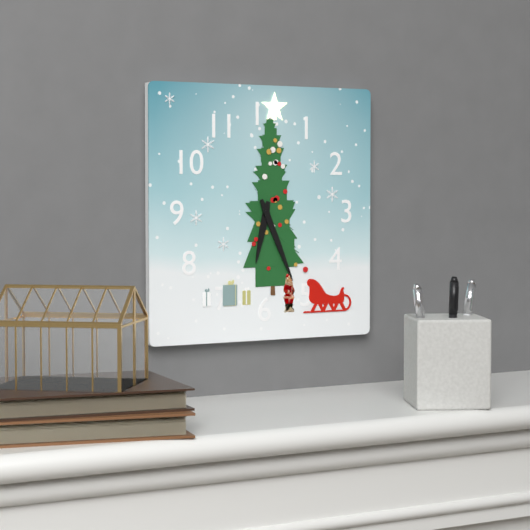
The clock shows {"hour": 6, "minute": 26}
